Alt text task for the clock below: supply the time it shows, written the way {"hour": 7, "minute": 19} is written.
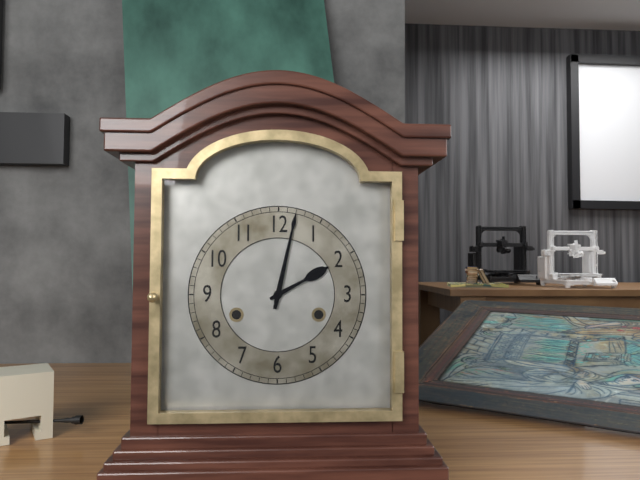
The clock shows {"hour": 2, "minute": 2}
